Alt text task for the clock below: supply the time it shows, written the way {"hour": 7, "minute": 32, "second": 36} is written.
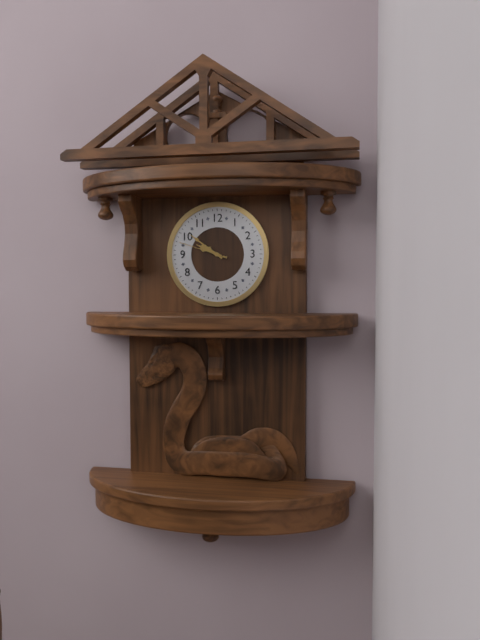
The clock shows {"hour": 9, "minute": 51, "second": 48}
